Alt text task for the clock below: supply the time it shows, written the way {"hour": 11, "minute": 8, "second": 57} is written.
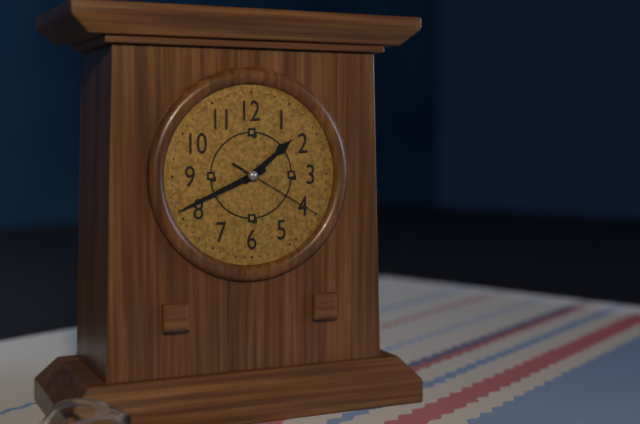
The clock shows {"hour": 1, "minute": 41, "second": 20}
